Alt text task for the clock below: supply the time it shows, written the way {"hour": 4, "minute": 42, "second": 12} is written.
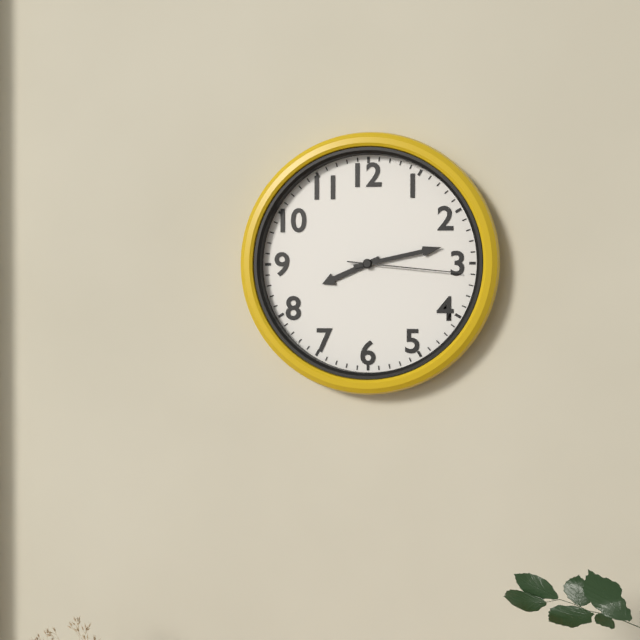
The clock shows {"hour": 8, "minute": 13, "second": 16}
